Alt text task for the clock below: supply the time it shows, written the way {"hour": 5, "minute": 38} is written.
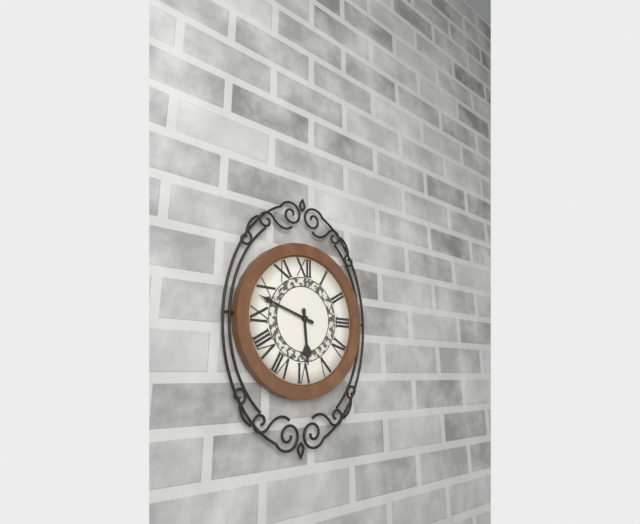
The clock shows {"hour": 5, "minute": 48}
